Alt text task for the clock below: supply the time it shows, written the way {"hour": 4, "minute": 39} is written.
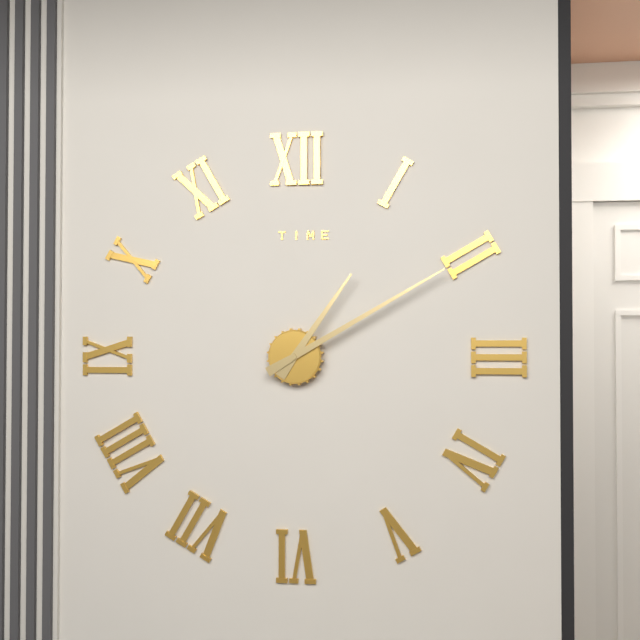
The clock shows {"hour": 1, "minute": 10}
